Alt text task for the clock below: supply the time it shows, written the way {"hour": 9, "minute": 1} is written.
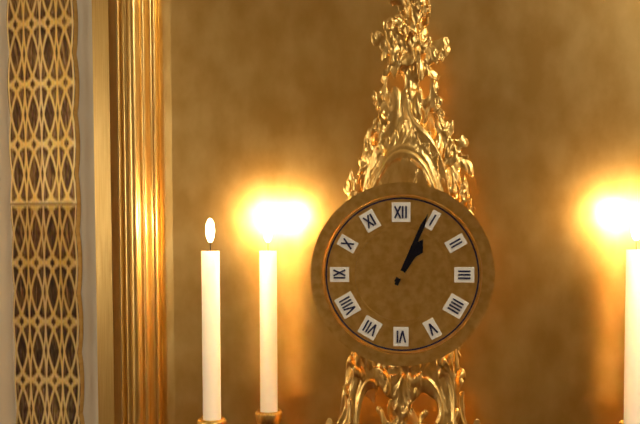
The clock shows {"hour": 1, "minute": 4}
